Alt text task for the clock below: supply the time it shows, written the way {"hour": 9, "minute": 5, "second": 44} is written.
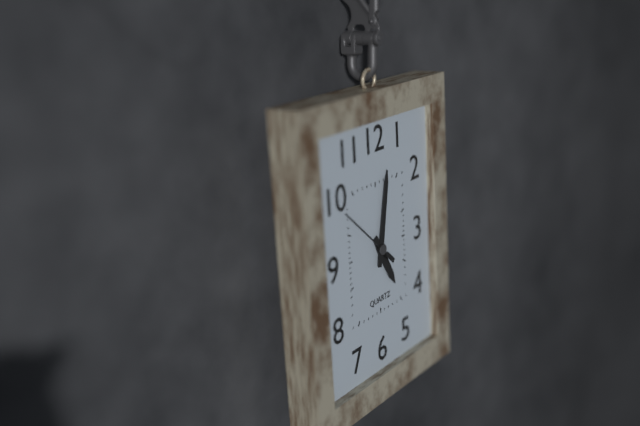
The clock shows {"hour": 5, "minute": 2, "second": 52}
